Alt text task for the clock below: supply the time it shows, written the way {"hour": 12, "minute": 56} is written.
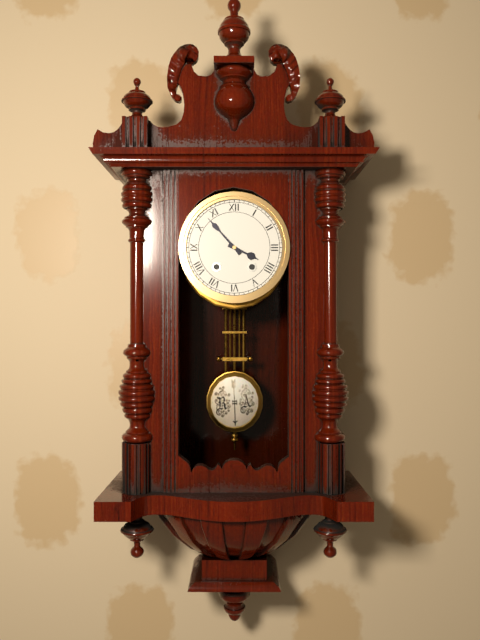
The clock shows {"hour": 3, "minute": 53}
